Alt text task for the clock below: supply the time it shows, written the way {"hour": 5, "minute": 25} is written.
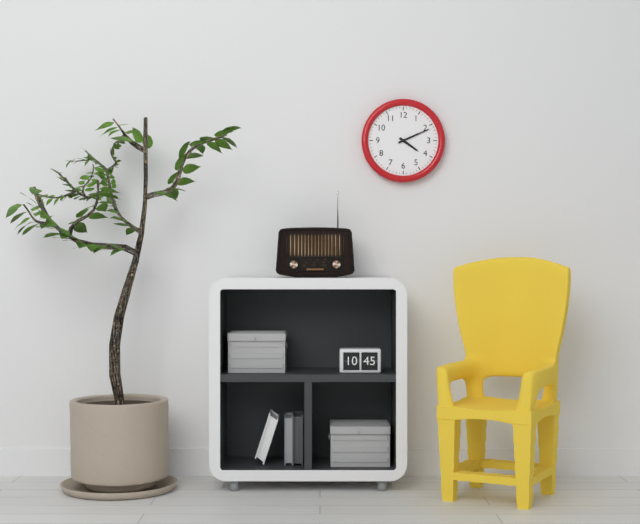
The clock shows {"hour": 4, "minute": 11}
